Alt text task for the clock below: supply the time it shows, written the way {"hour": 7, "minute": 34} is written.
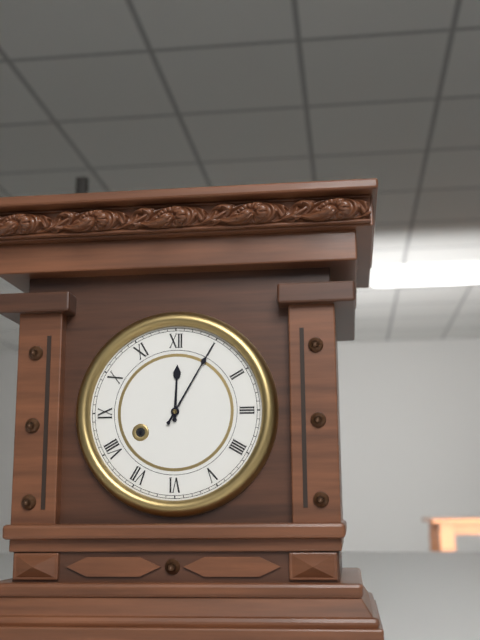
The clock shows {"hour": 12, "minute": 5}
